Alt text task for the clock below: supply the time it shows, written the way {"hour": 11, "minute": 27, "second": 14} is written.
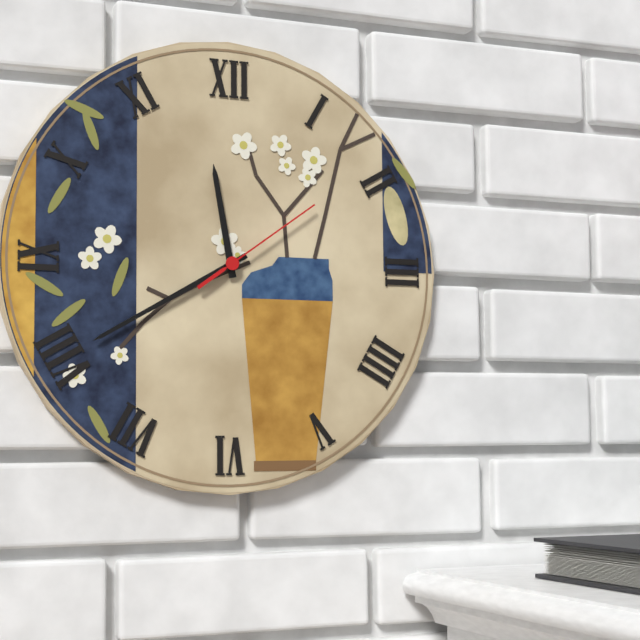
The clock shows {"hour": 11, "minute": 40, "second": 9}
